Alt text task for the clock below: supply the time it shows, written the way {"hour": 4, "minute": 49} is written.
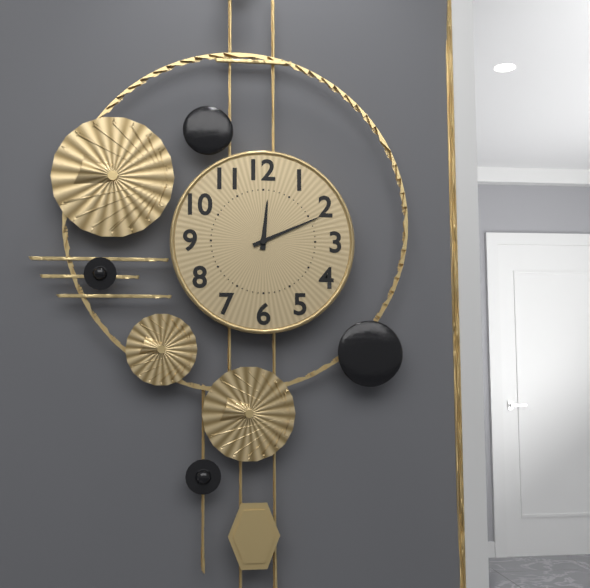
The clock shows {"hour": 12, "minute": 11}
